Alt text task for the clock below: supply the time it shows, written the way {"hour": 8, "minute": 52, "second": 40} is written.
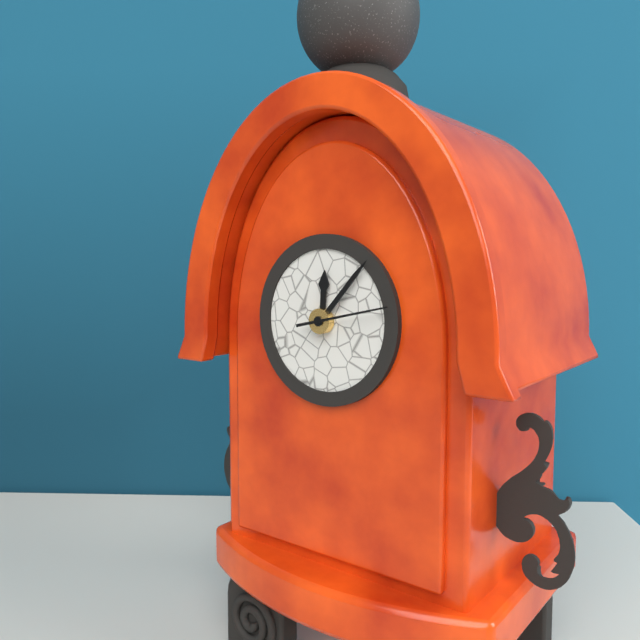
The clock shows {"hour": 12, "minute": 7, "second": 13}
